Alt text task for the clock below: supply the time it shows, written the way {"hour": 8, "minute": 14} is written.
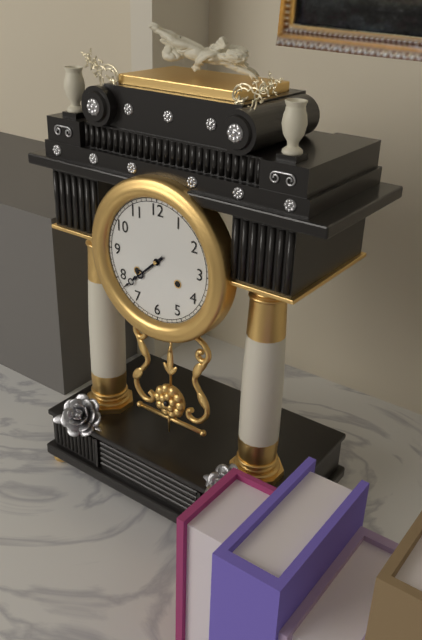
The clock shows {"hour": 7, "minute": 38}
